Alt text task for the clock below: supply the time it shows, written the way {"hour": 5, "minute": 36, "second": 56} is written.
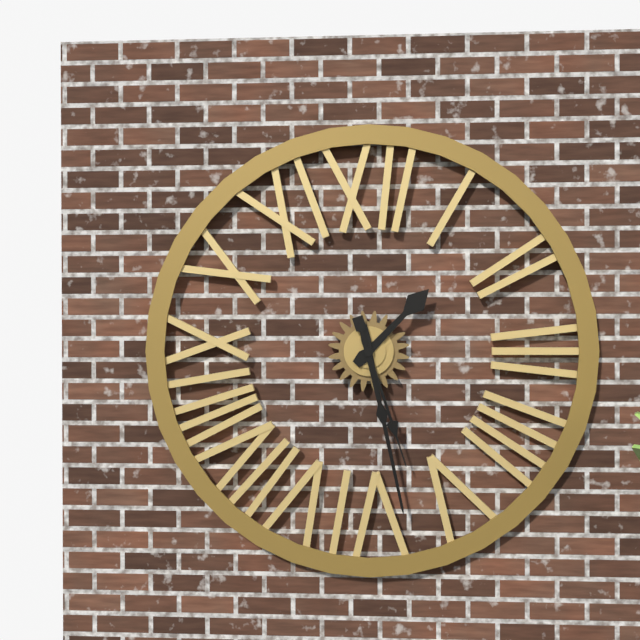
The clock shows {"hour": 1, "minute": 28, "second": 27}
